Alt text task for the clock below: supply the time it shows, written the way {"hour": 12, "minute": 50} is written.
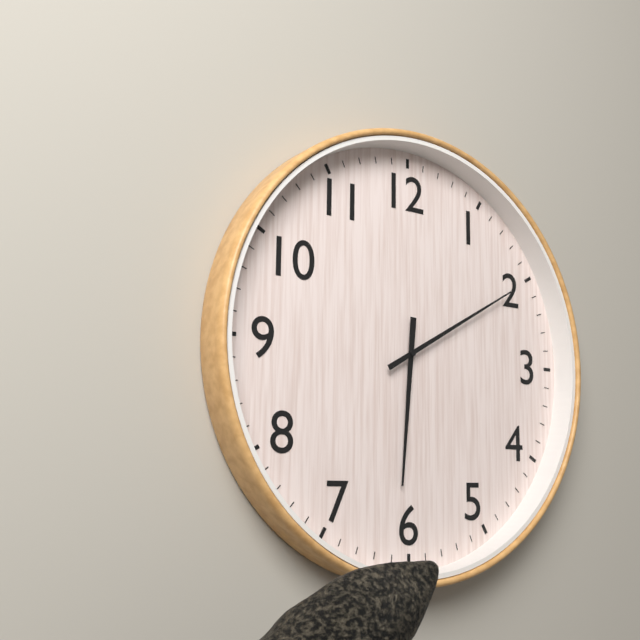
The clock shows {"hour": 6, "minute": 10}
